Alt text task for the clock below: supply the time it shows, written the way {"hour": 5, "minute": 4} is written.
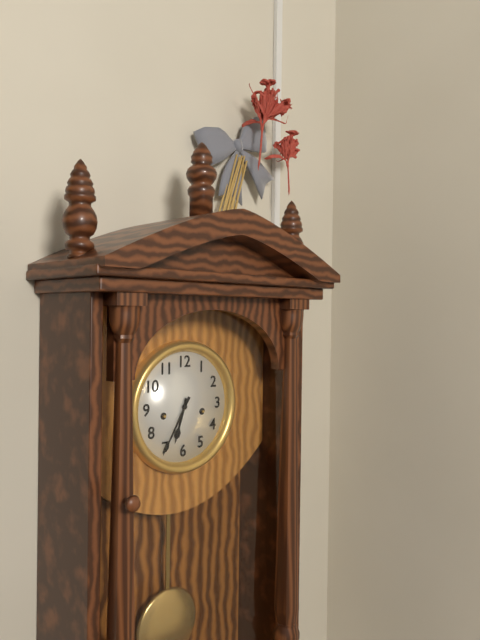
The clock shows {"hour": 6, "minute": 35}
